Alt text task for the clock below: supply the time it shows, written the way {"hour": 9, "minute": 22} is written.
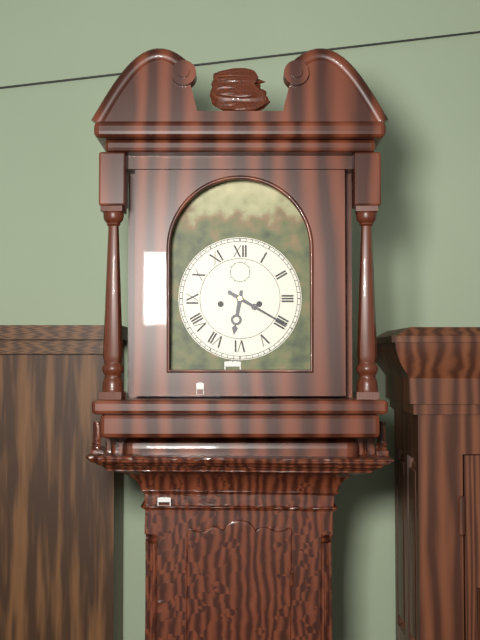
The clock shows {"hour": 6, "minute": 20}
